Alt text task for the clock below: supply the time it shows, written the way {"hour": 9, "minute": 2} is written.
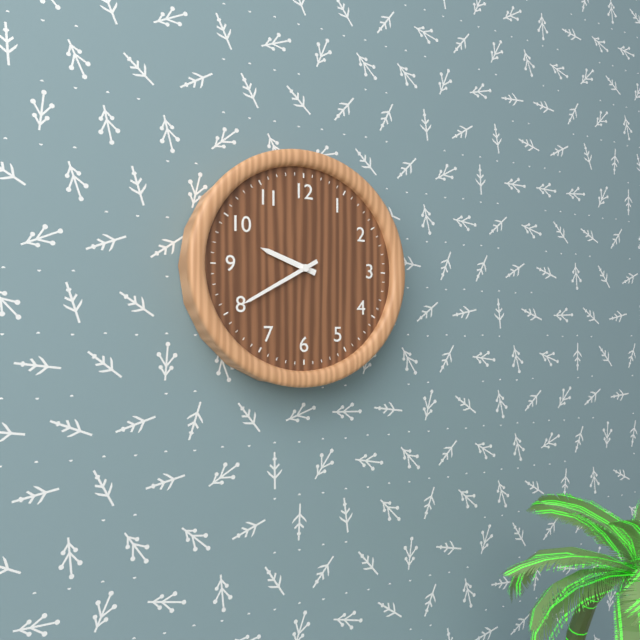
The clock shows {"hour": 9, "minute": 40}
